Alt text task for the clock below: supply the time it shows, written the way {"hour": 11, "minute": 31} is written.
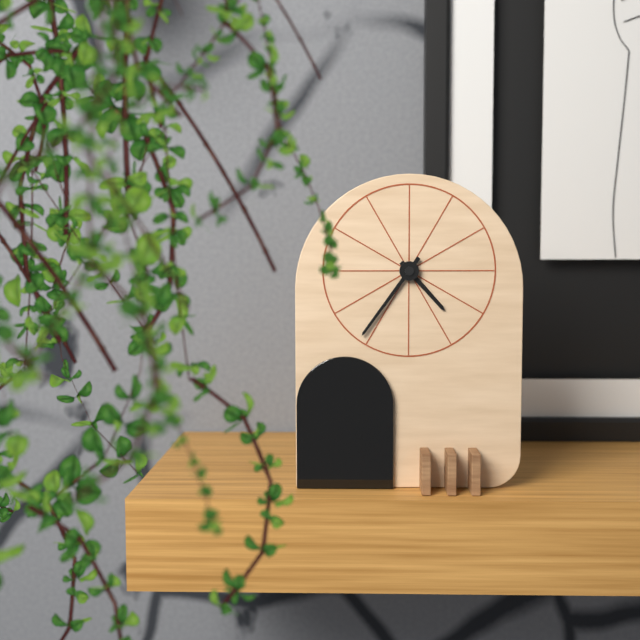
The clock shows {"hour": 4, "minute": 36}
